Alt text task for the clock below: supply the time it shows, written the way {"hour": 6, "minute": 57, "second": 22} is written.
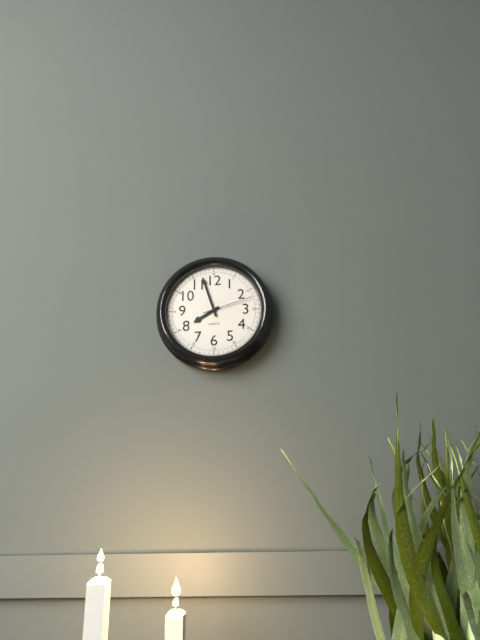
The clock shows {"hour": 7, "minute": 57, "second": 12}
